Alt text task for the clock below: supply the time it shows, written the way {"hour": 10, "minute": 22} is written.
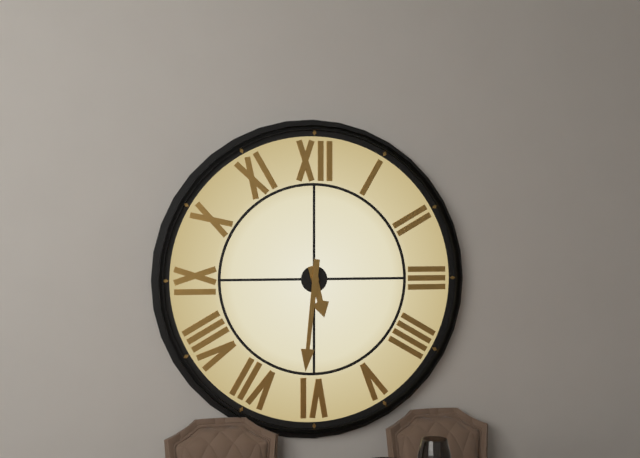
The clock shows {"hour": 5, "minute": 31}
